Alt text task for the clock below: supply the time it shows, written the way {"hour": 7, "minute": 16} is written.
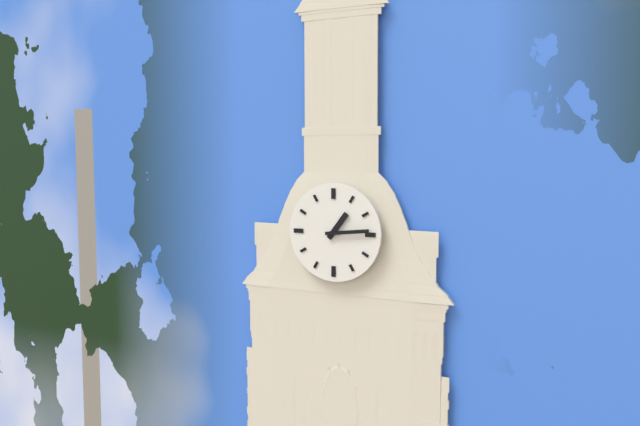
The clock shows {"hour": 1, "minute": 14}
